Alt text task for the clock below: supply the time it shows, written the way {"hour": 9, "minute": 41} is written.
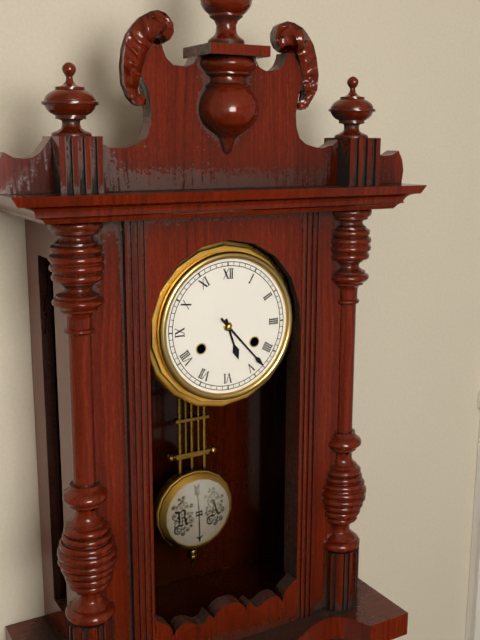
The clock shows {"hour": 5, "minute": 23}
